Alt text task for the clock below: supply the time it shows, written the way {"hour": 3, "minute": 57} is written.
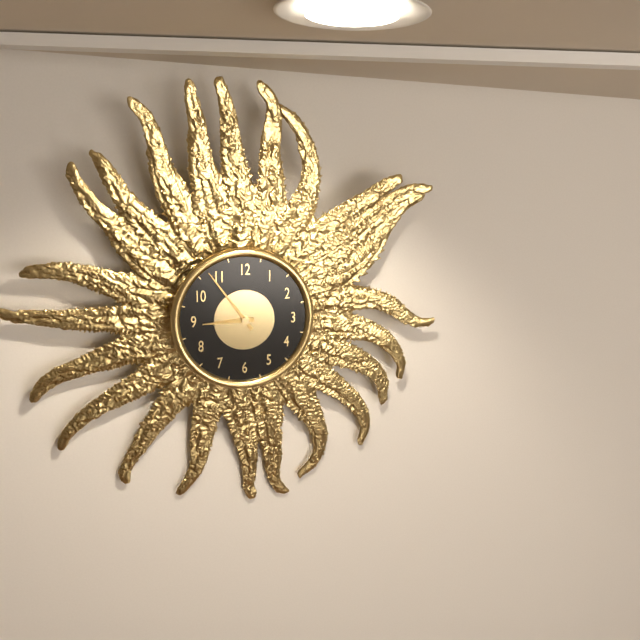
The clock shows {"hour": 8, "minute": 54}
